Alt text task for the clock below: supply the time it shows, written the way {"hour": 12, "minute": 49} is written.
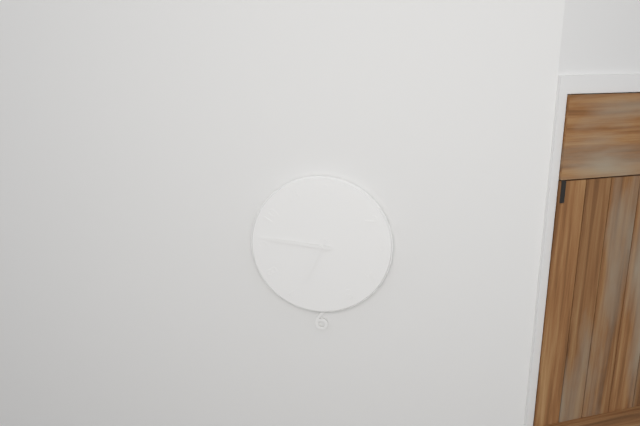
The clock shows {"hour": 6, "minute": 46}
